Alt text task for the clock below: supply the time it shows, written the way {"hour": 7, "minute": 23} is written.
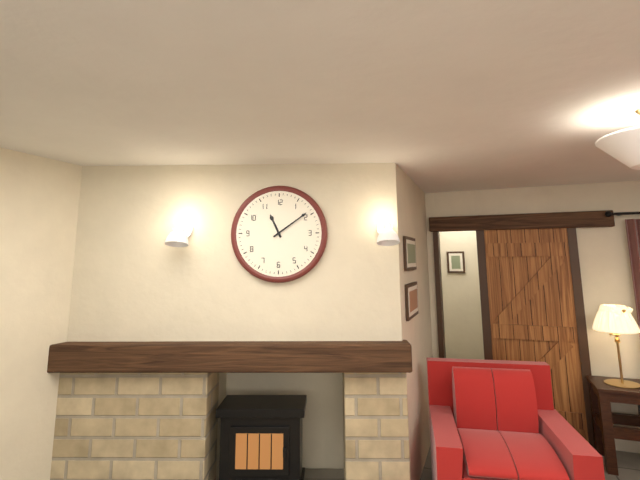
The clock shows {"hour": 11, "minute": 9}
